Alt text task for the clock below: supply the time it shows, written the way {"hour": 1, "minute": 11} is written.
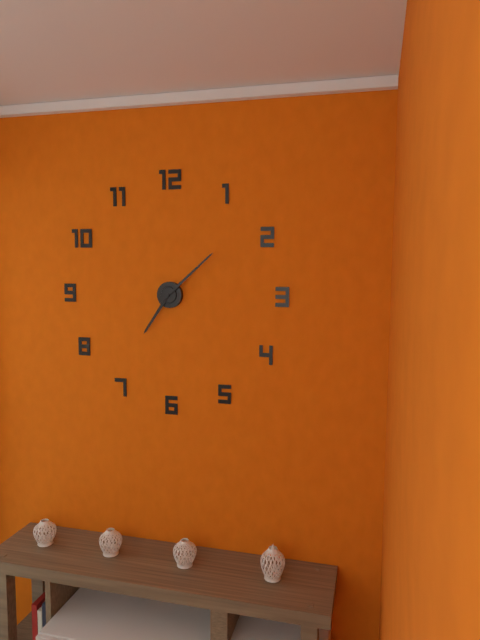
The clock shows {"hour": 7, "minute": 8}
